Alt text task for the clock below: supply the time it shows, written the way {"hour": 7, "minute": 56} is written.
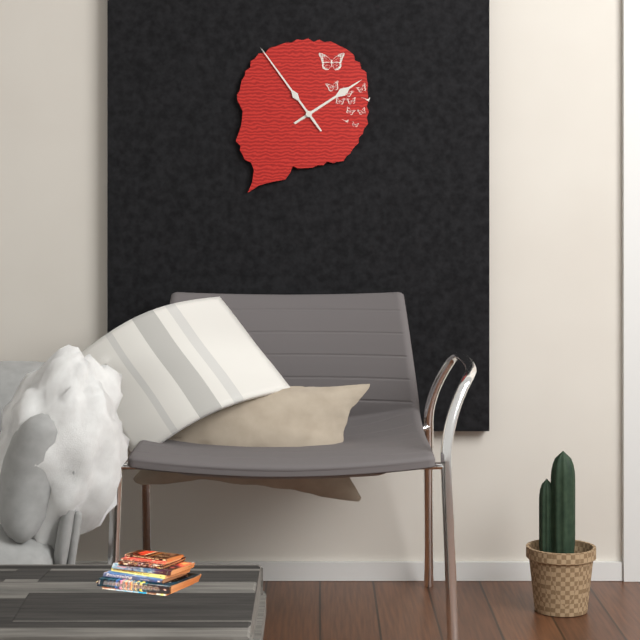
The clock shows {"hour": 1, "minute": 54}
